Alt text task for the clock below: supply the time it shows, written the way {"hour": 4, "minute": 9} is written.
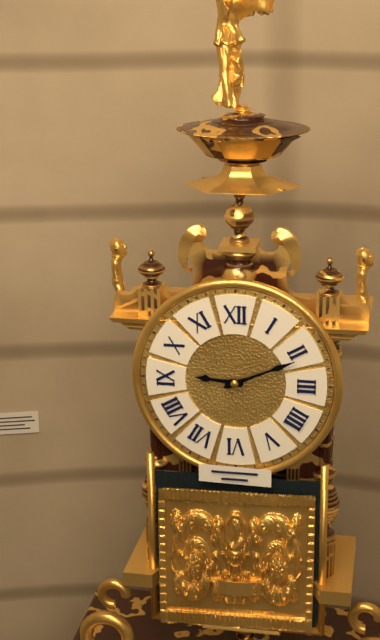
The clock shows {"hour": 9, "minute": 11}
